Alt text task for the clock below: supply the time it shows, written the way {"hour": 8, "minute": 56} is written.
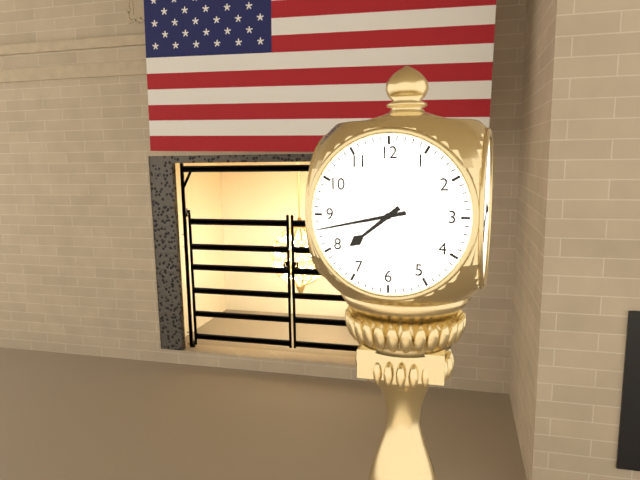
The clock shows {"hour": 7, "minute": 43}
